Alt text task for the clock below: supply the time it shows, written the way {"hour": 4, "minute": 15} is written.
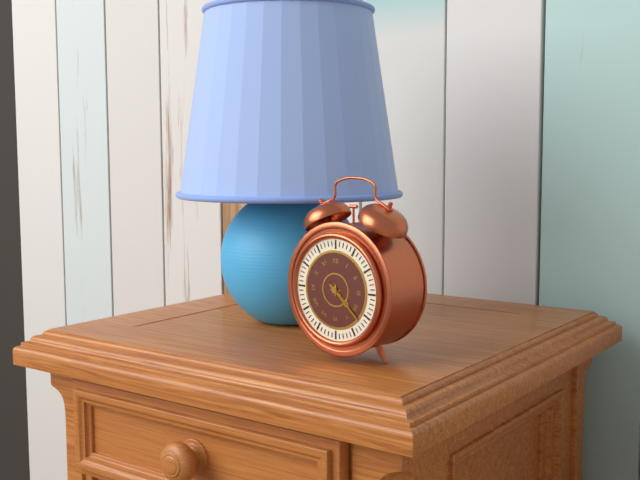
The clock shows {"hour": 4, "minute": 22}
